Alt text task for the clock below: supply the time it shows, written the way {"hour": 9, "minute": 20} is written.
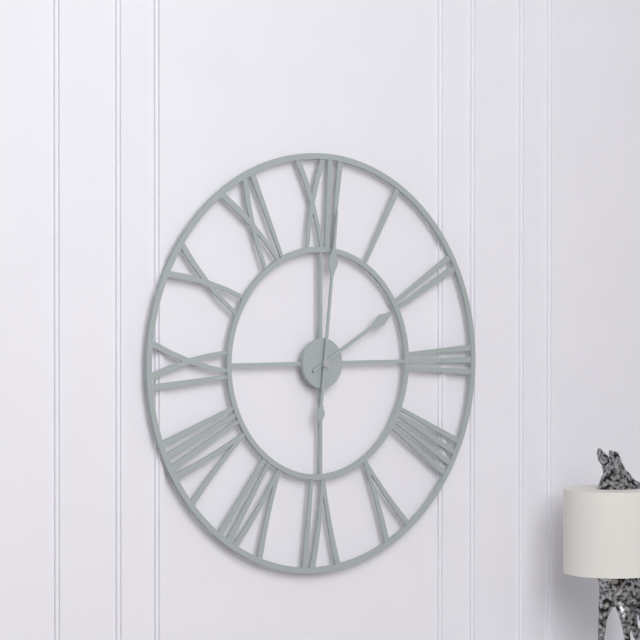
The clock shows {"hour": 2, "minute": 1}
